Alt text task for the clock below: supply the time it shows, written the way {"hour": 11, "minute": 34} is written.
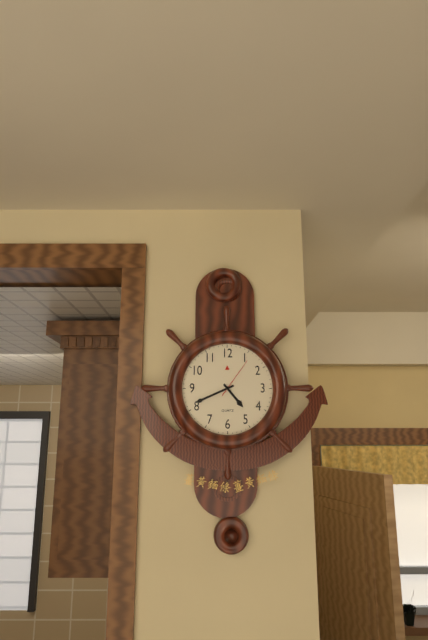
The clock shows {"hour": 4, "minute": 41}
